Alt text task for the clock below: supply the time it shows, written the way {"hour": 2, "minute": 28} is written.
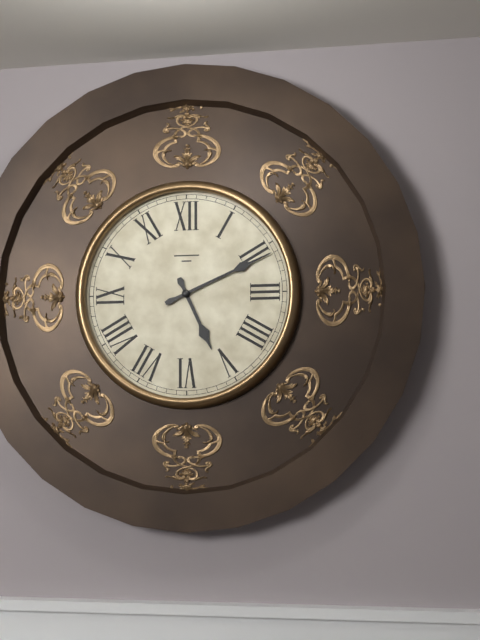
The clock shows {"hour": 5, "minute": 11}
